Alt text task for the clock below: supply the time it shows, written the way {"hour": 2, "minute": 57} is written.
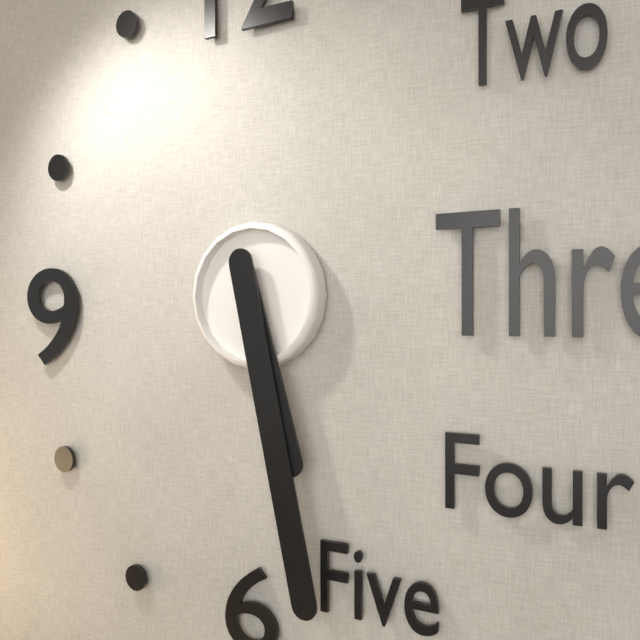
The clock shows {"hour": 5, "minute": 28}
